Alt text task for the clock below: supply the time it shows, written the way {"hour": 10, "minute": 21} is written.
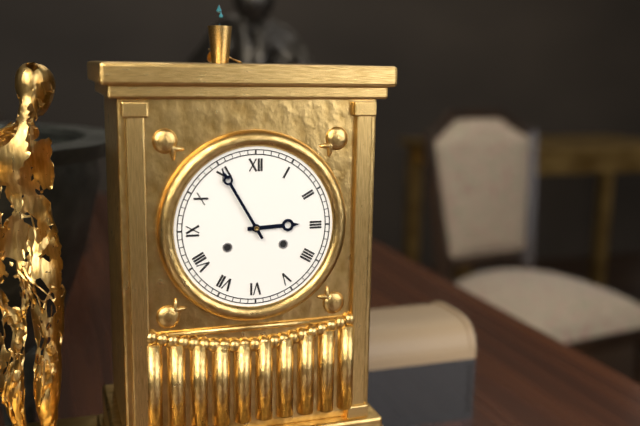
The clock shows {"hour": 2, "minute": 55}
